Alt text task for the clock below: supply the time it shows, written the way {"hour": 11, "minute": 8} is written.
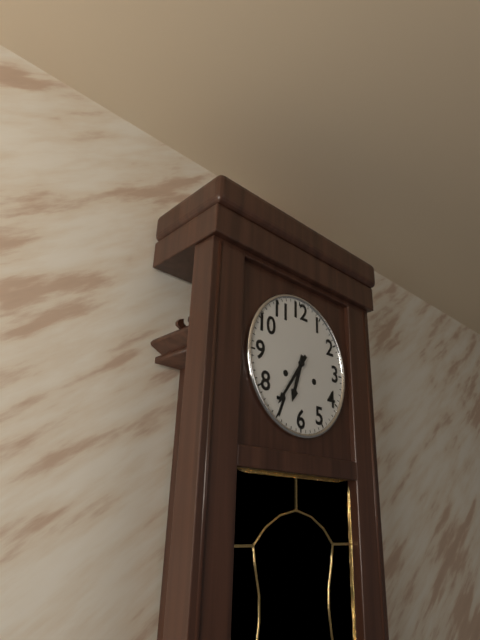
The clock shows {"hour": 6, "minute": 36}
